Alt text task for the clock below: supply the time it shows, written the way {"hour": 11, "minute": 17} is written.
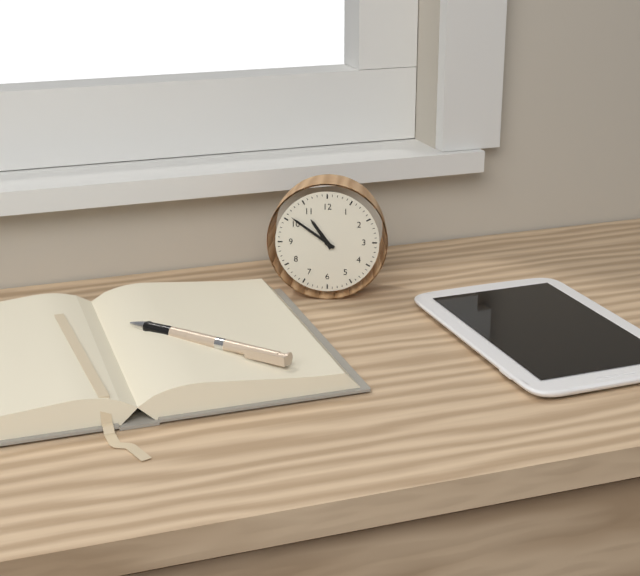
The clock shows {"hour": 10, "minute": 51}
